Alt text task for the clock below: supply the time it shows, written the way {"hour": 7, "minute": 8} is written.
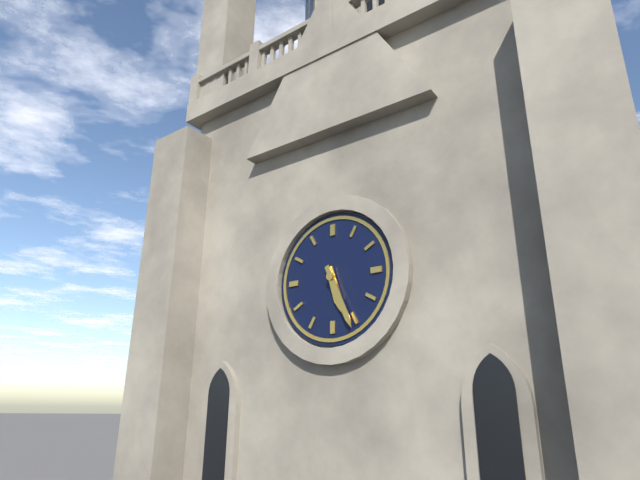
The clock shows {"hour": 5, "minute": 26}
